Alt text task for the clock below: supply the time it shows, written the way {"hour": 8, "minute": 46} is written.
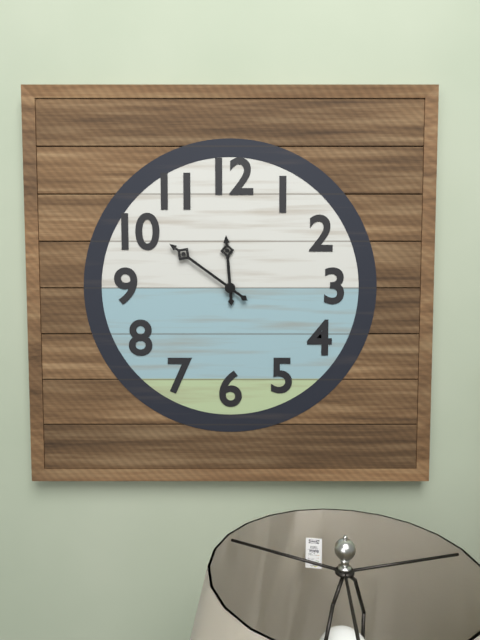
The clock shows {"hour": 11, "minute": 51}
